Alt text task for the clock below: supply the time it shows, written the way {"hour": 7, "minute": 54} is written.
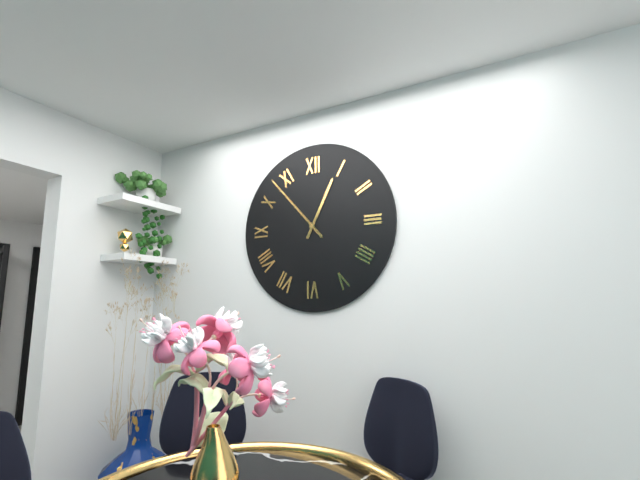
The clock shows {"hour": 12, "minute": 53}
